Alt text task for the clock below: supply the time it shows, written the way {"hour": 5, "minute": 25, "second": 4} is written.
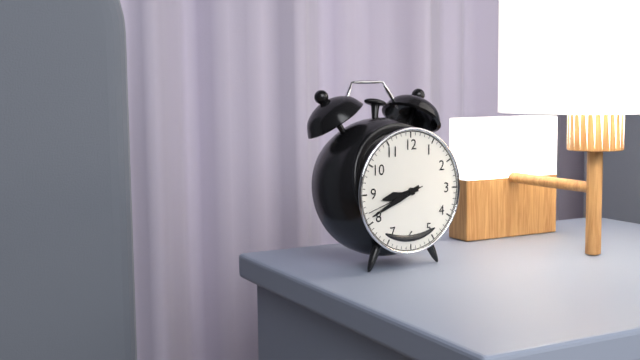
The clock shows {"hour": 8, "minute": 41, "second": 42}
